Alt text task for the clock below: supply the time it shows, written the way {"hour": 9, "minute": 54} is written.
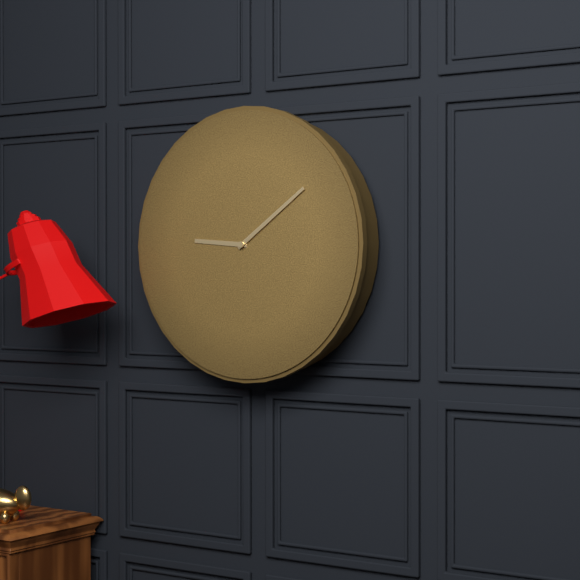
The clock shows {"hour": 9, "minute": 9}
